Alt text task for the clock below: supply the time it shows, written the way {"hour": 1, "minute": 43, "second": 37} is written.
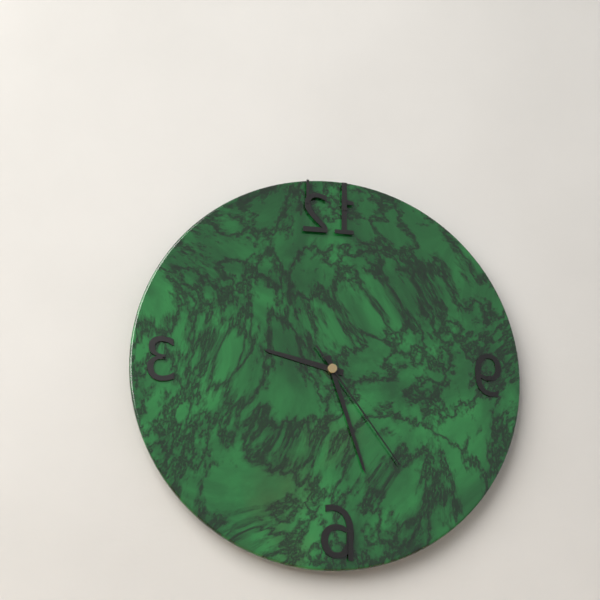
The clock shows {"hour": 9, "minute": 27, "second": 24}
